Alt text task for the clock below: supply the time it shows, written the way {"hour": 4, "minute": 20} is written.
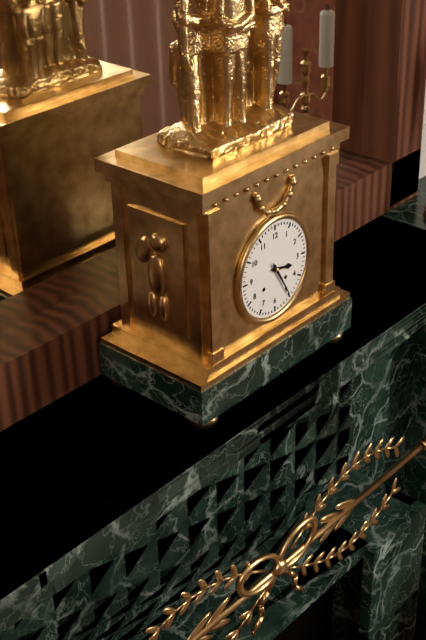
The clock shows {"hour": 3, "minute": 25}
